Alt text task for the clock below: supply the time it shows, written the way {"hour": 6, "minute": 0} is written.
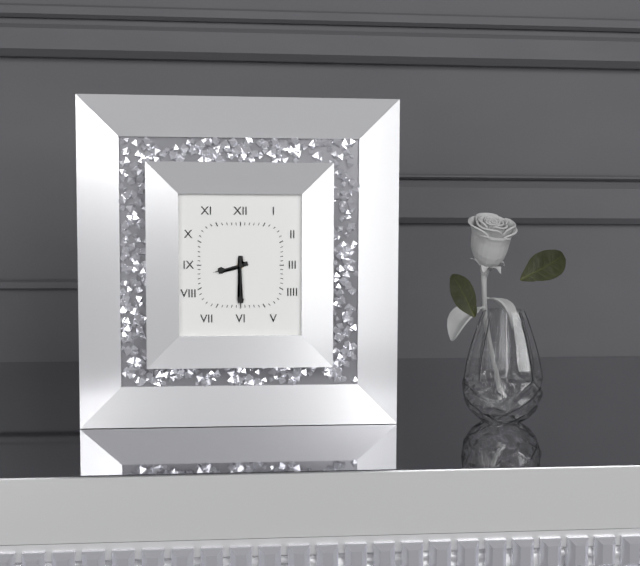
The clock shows {"hour": 8, "minute": 30}
